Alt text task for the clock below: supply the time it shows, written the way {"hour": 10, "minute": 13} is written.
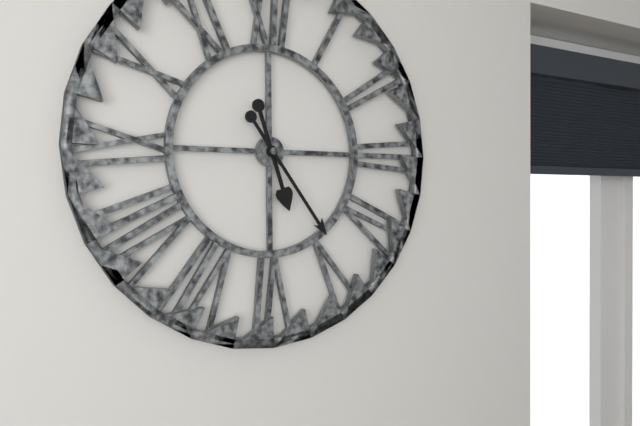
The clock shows {"hour": 5, "minute": 24}
